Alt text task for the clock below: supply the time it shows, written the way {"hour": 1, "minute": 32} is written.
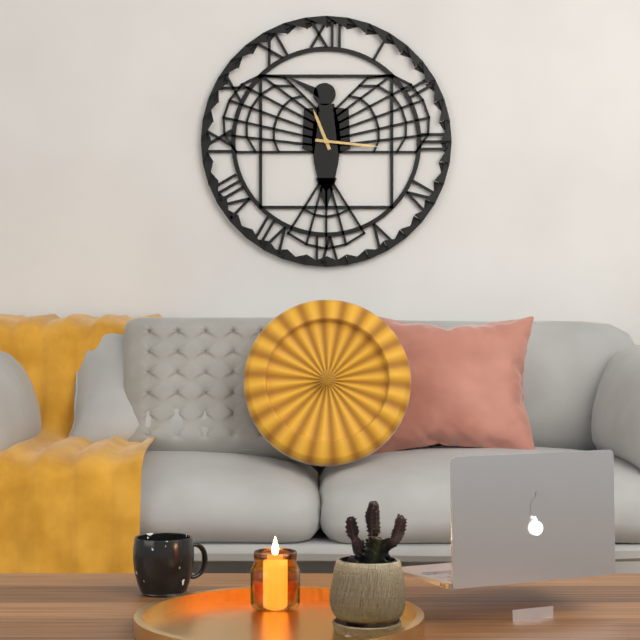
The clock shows {"hour": 11, "minute": 16}
